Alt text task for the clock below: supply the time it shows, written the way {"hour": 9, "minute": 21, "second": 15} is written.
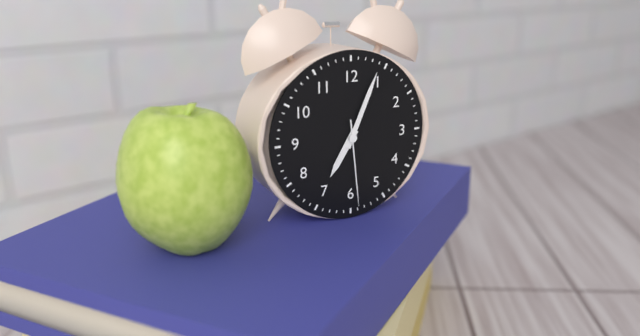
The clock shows {"hour": 7, "minute": 4, "second": 29}
